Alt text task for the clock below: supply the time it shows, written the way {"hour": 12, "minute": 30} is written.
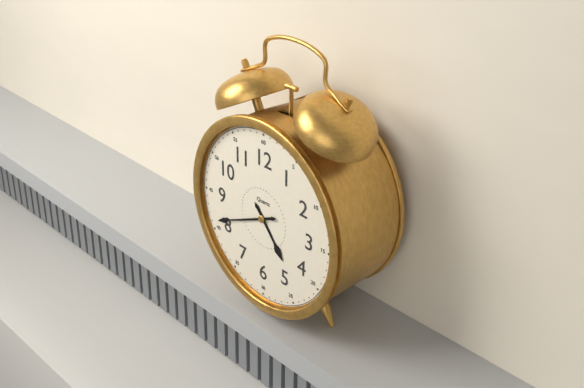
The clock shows {"hour": 4, "minute": 41}
